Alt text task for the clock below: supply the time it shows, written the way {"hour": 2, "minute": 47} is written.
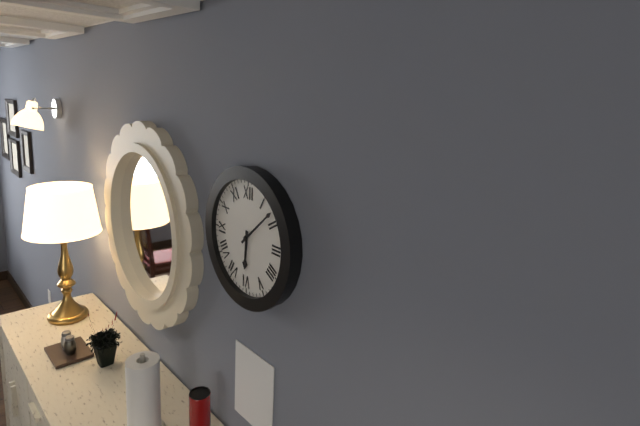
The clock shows {"hour": 6, "minute": 8}
